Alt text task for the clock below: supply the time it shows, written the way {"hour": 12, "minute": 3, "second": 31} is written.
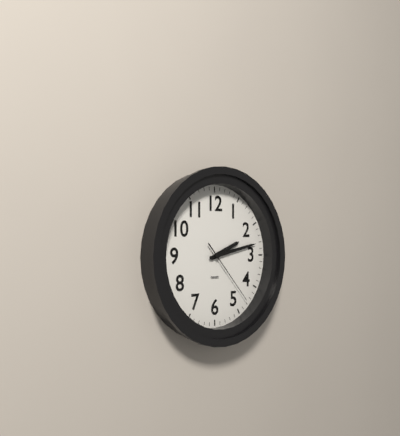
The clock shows {"hour": 2, "minute": 13, "second": 23}
